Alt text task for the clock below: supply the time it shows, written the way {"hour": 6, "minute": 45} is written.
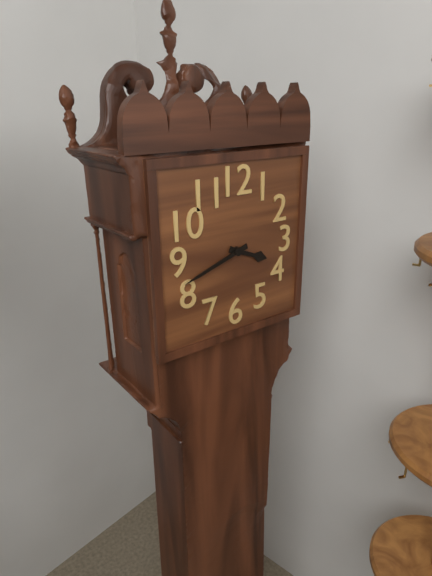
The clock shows {"hour": 3, "minute": 42}
